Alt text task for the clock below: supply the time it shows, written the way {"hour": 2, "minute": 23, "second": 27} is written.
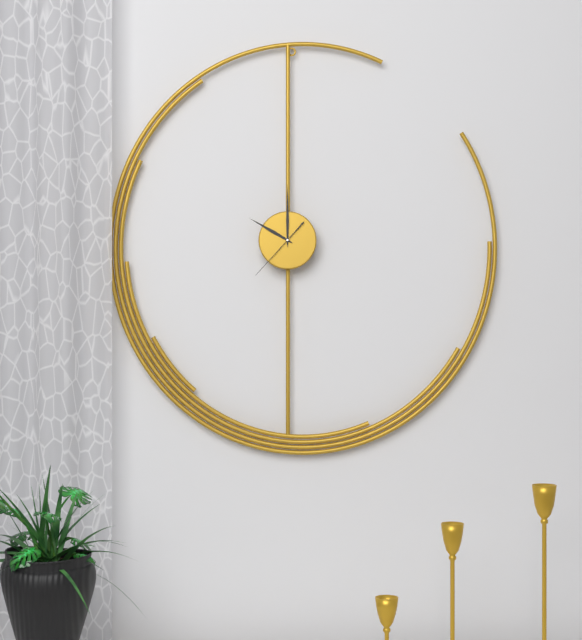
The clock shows {"hour": 10, "minute": 0, "second": 37}
